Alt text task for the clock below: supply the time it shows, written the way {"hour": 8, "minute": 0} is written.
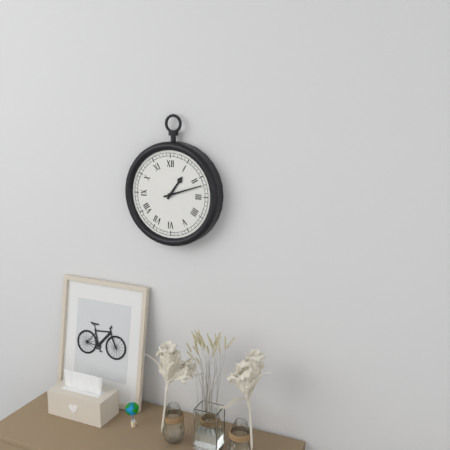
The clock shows {"hour": 1, "minute": 12}
